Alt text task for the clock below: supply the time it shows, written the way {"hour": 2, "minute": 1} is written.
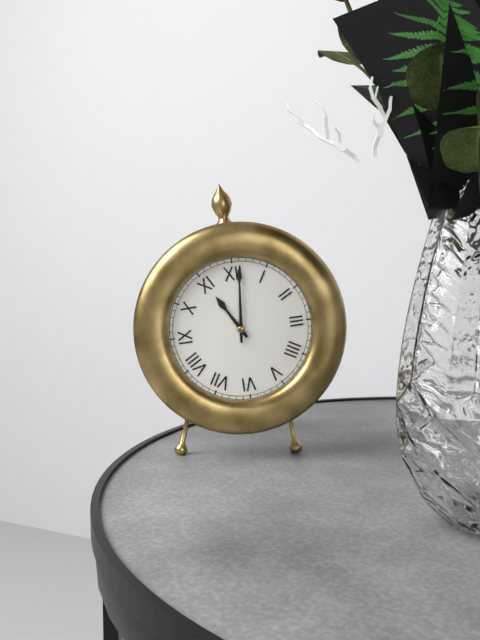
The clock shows {"hour": 11, "minute": 1}
